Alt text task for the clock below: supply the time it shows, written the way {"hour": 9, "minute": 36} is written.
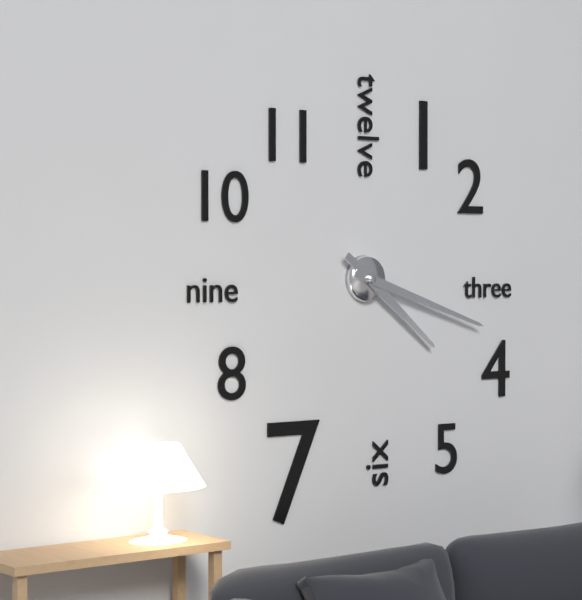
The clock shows {"hour": 4, "minute": 18}
